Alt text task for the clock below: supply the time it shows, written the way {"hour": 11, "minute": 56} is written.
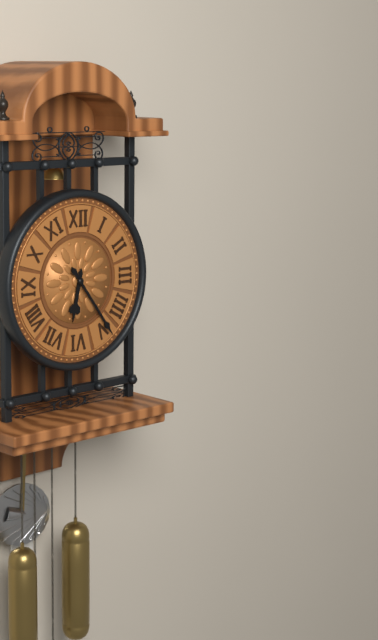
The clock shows {"hour": 6, "minute": 24}
